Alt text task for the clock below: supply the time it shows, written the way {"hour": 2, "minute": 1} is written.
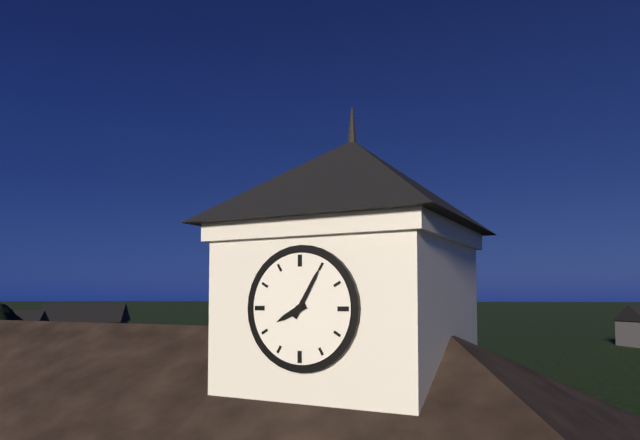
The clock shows {"hour": 8, "minute": 5}
